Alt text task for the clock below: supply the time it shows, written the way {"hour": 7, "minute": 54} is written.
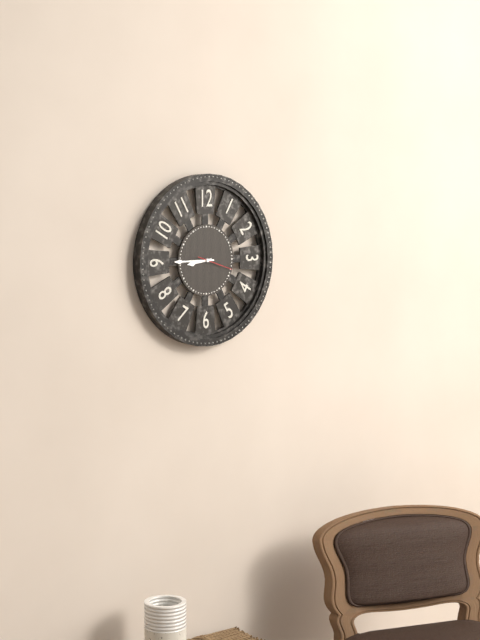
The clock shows {"hour": 8, "minute": 45}
